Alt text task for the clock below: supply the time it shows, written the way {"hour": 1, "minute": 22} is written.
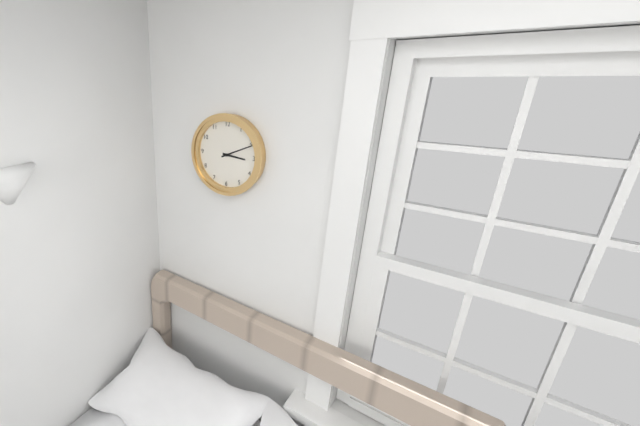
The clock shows {"hour": 3, "minute": 11}
